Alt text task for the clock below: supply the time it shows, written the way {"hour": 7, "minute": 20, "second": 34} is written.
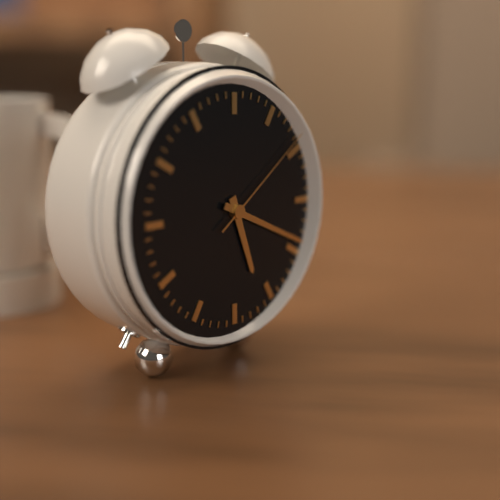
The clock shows {"hour": 5, "minute": 19, "second": 9}
